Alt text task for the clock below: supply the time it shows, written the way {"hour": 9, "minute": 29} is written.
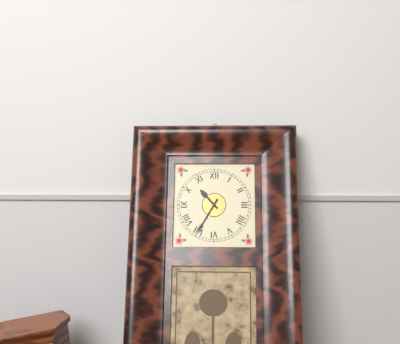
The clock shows {"hour": 10, "minute": 35}
